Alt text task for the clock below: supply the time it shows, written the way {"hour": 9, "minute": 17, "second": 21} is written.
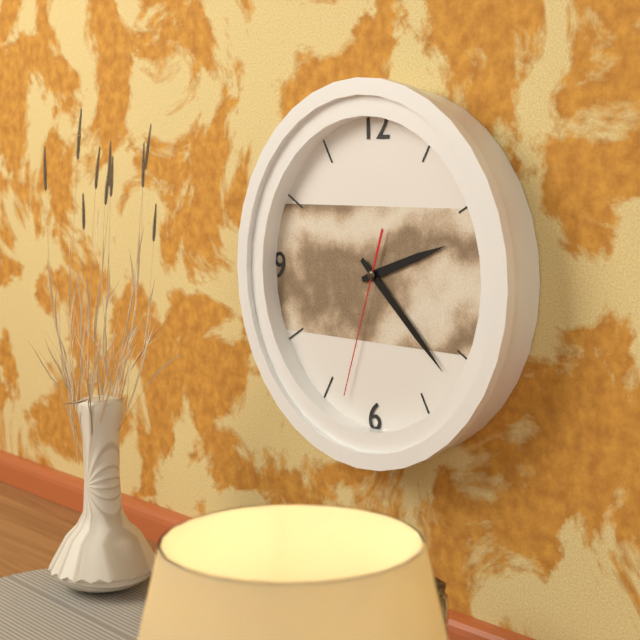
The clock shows {"hour": 2, "minute": 22, "second": 33}
